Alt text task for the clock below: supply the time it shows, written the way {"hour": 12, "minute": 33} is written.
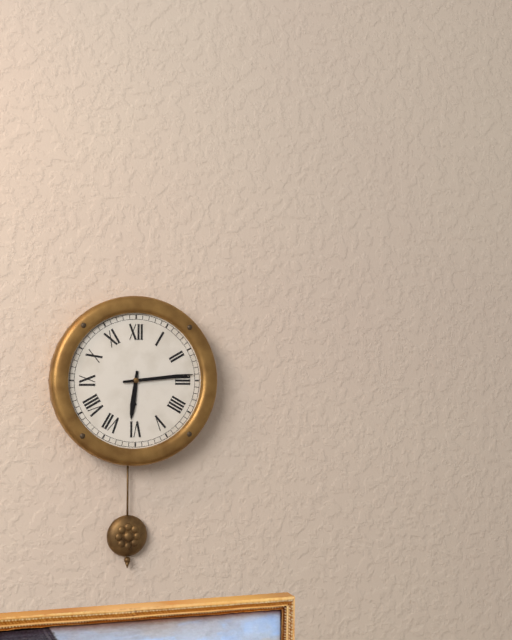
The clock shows {"hour": 6, "minute": 14}
